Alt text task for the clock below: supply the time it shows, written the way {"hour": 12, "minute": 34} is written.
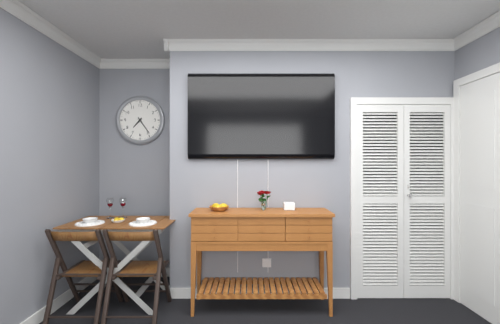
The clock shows {"hour": 7, "minute": 24}
